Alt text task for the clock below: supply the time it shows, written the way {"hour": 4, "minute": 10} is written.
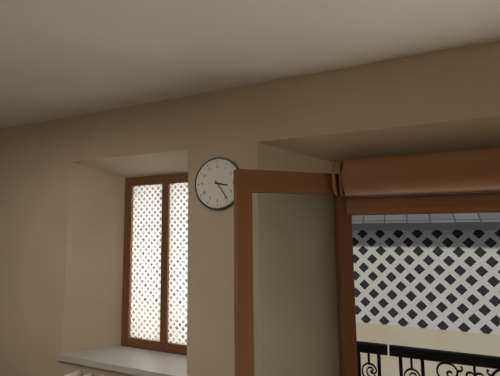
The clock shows {"hour": 3, "minute": 24}
